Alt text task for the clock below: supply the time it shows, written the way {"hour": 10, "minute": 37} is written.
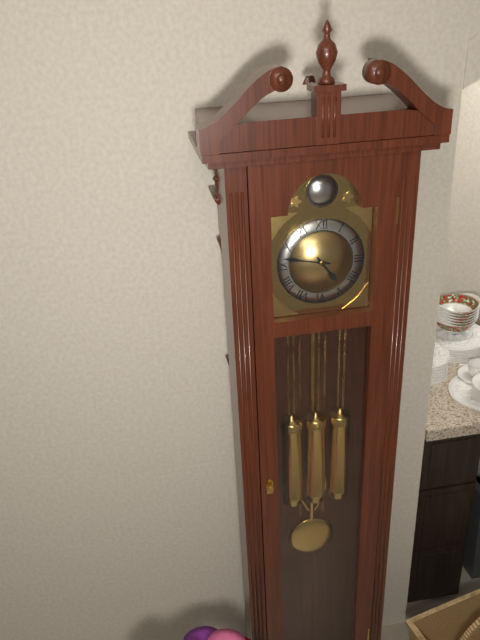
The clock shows {"hour": 4, "minute": 47}
